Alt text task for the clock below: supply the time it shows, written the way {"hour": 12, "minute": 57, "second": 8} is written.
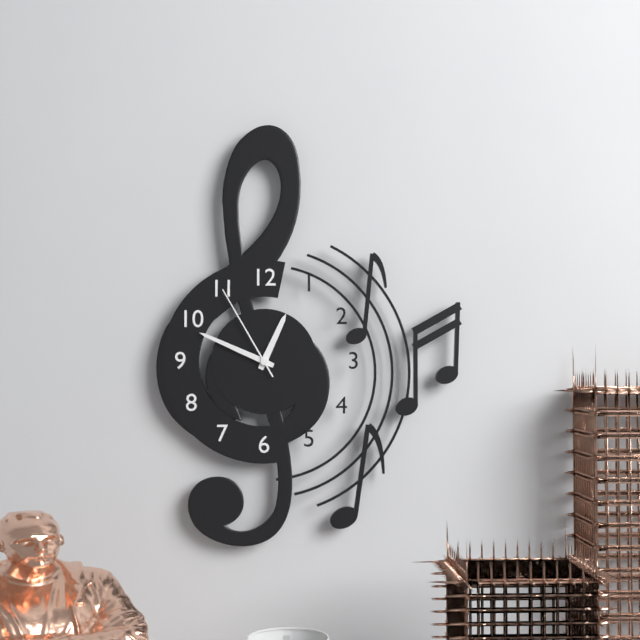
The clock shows {"hour": 12, "minute": 49, "second": 55}
